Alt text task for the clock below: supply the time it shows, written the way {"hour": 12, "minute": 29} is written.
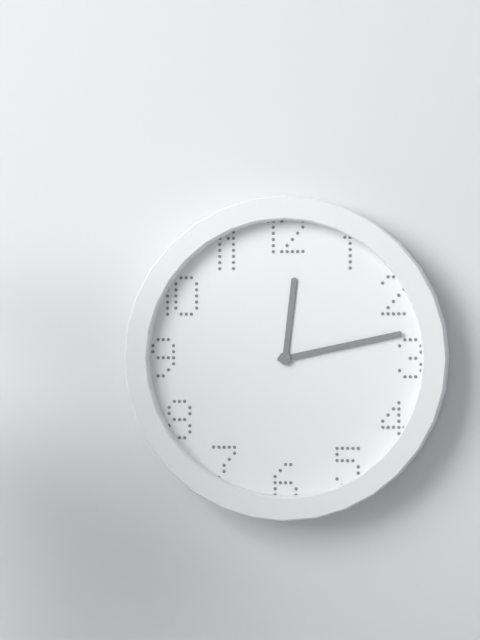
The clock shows {"hour": 12, "minute": 13}
